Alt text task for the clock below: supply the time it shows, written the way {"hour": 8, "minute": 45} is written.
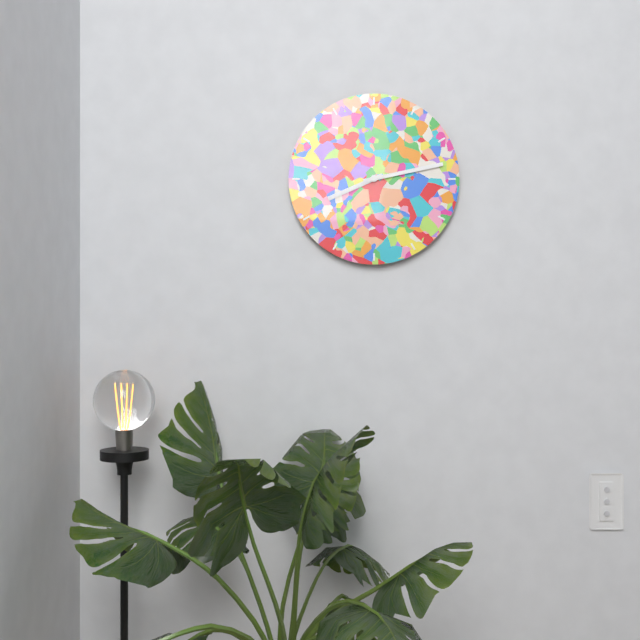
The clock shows {"hour": 8, "minute": 13}
